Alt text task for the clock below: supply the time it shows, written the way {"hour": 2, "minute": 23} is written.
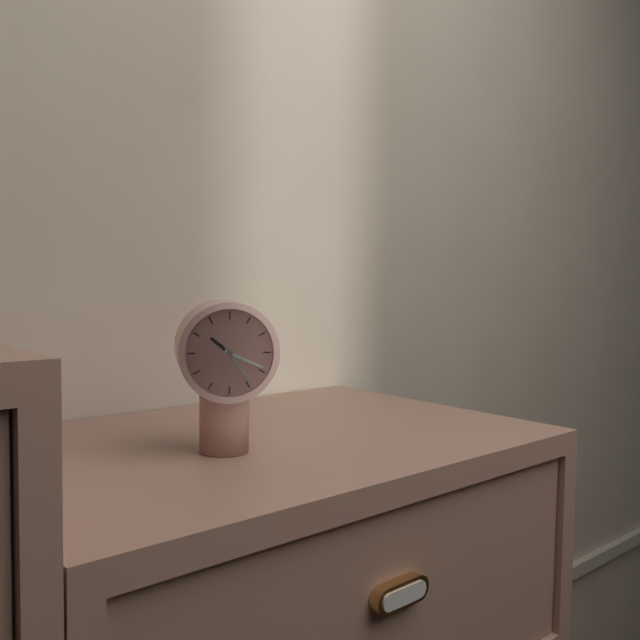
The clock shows {"hour": 10, "minute": 19}
